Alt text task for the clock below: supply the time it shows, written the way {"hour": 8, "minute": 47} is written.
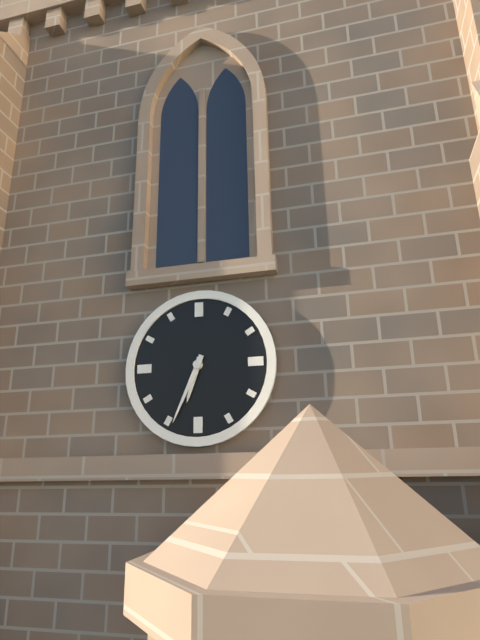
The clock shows {"hour": 6, "minute": 34}
